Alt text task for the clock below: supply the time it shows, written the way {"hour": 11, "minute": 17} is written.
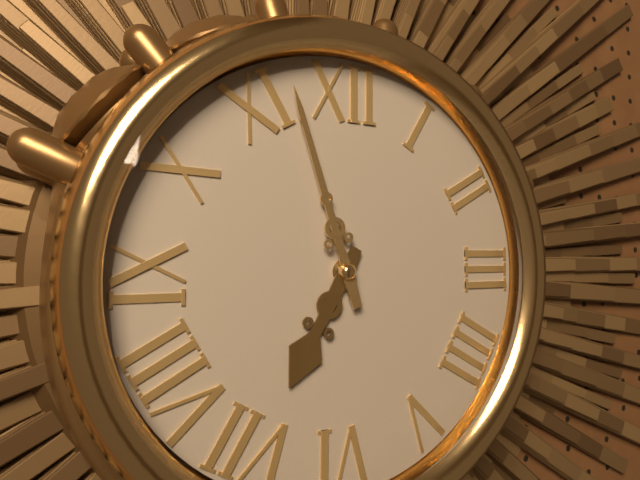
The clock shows {"hour": 6, "minute": 57}
